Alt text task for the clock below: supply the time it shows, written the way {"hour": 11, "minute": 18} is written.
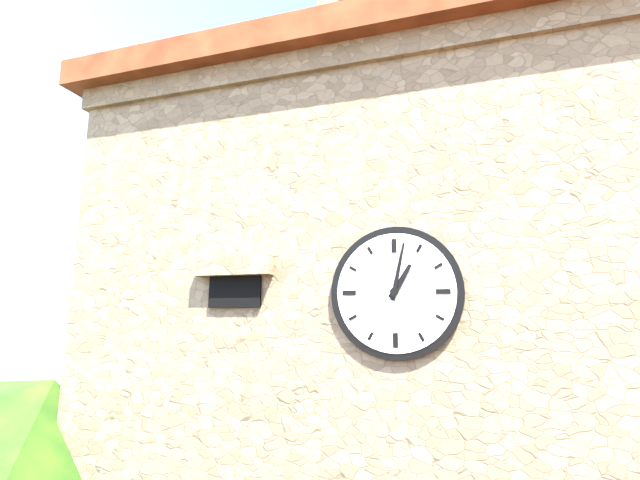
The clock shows {"hour": 1, "minute": 2}
